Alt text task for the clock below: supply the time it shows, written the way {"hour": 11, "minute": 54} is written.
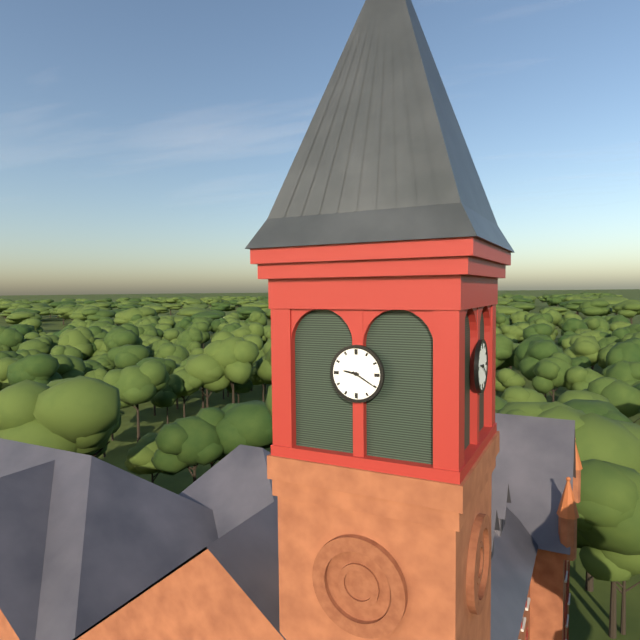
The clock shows {"hour": 9, "minute": 20}
